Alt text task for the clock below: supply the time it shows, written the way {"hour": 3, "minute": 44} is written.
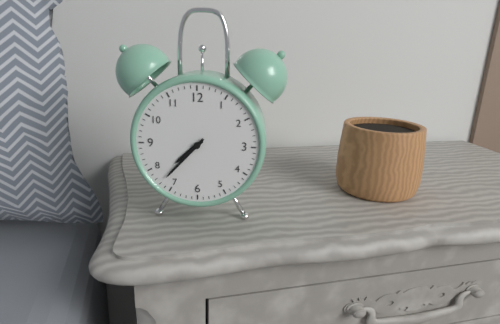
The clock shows {"hour": 7, "minute": 37}
